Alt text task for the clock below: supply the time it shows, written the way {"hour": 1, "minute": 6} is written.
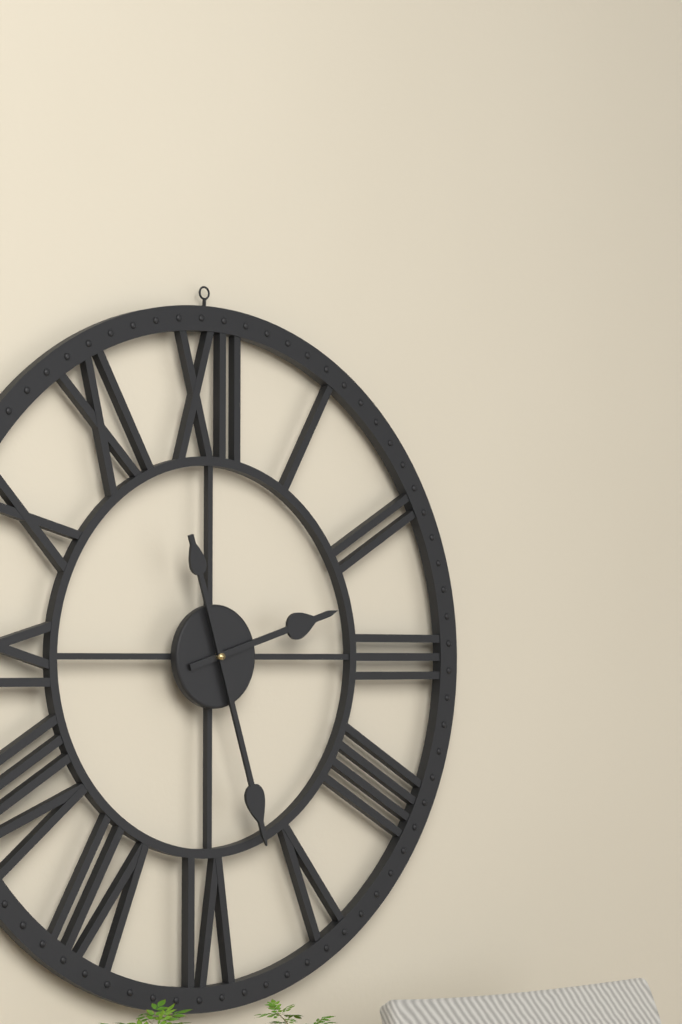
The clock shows {"hour": 2, "minute": 27}
